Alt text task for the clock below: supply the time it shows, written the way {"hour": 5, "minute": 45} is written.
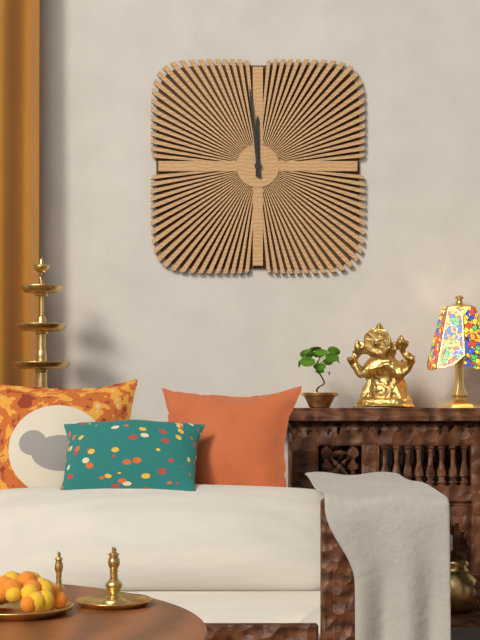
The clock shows {"hour": 11, "minute": 59}
